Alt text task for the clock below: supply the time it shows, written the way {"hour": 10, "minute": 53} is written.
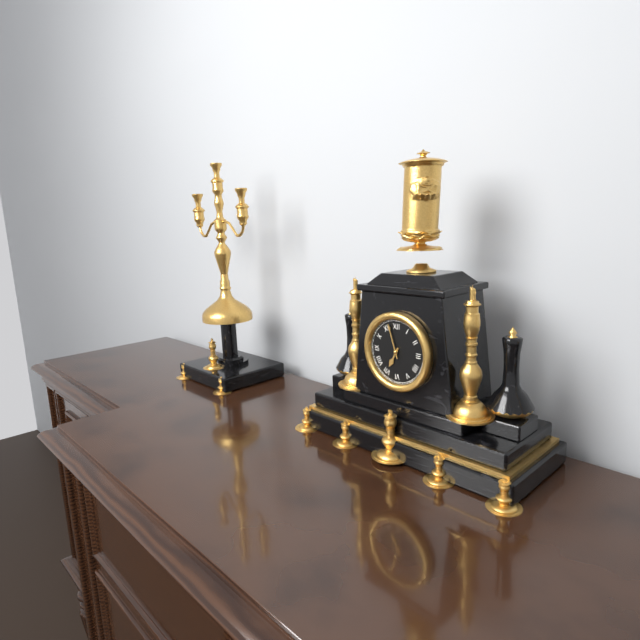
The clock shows {"hour": 6, "minute": 57}
